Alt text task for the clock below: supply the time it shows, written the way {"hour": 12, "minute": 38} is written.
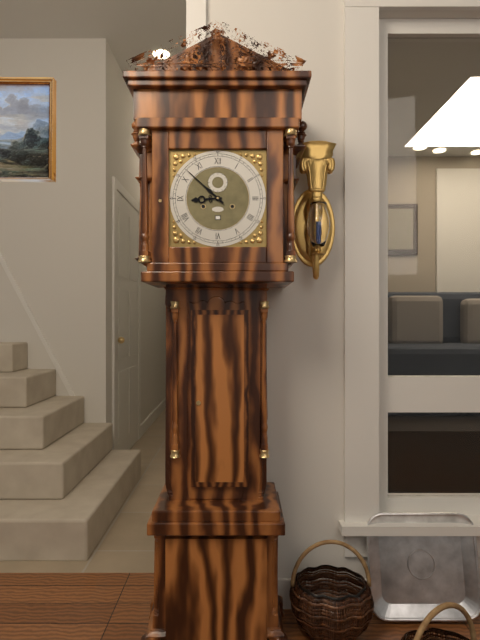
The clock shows {"hour": 8, "minute": 52}
